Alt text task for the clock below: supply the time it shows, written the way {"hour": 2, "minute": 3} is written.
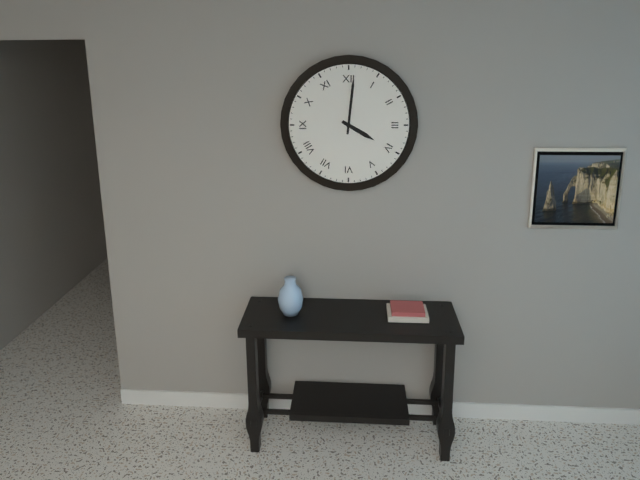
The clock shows {"hour": 4, "minute": 1}
